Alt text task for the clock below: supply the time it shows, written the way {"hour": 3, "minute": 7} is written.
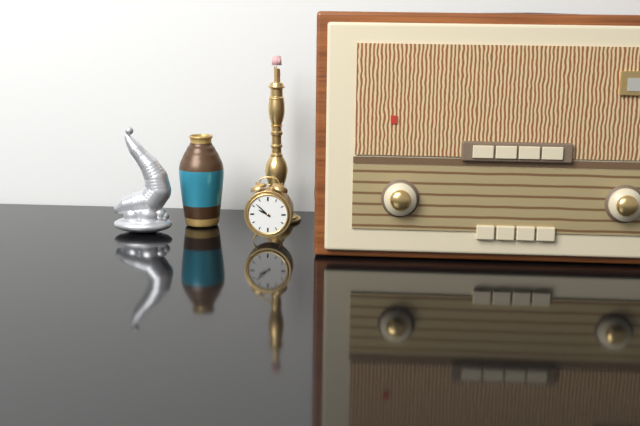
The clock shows {"hour": 9, "minute": 52}
